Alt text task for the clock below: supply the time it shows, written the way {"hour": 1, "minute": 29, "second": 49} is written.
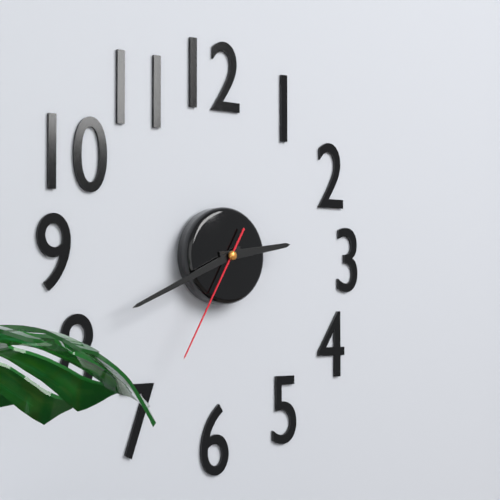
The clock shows {"hour": 2, "minute": 41, "second": 35}
